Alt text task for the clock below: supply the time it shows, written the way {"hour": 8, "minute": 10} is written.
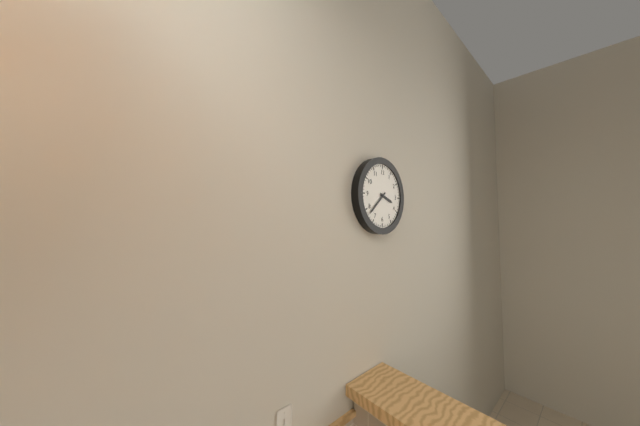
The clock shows {"hour": 3, "minute": 38}
